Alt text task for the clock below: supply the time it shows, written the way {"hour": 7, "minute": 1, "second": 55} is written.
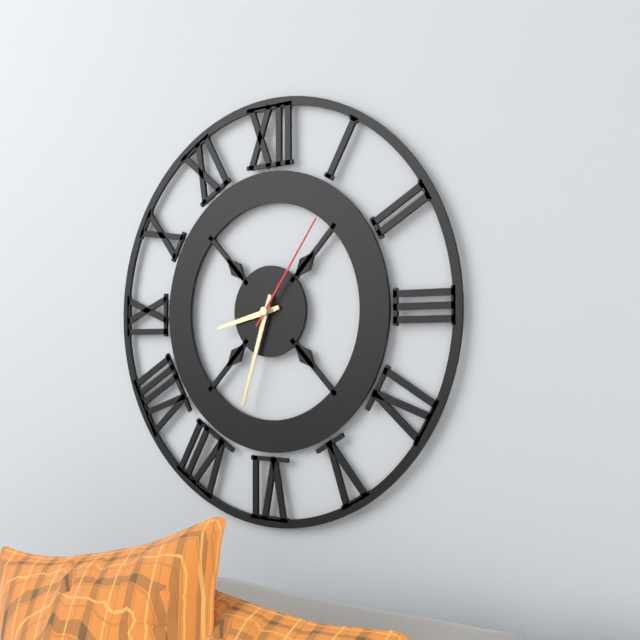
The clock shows {"hour": 8, "minute": 33, "second": 6}
